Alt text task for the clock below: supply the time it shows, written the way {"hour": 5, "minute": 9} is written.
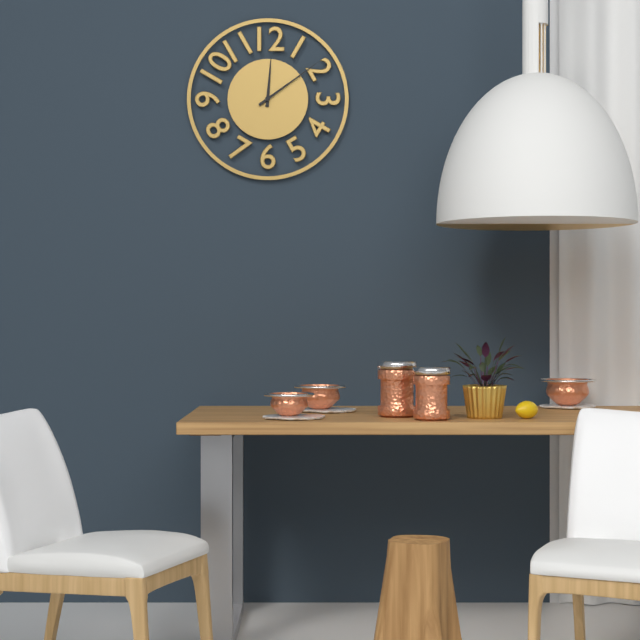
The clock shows {"hour": 12, "minute": 9}
